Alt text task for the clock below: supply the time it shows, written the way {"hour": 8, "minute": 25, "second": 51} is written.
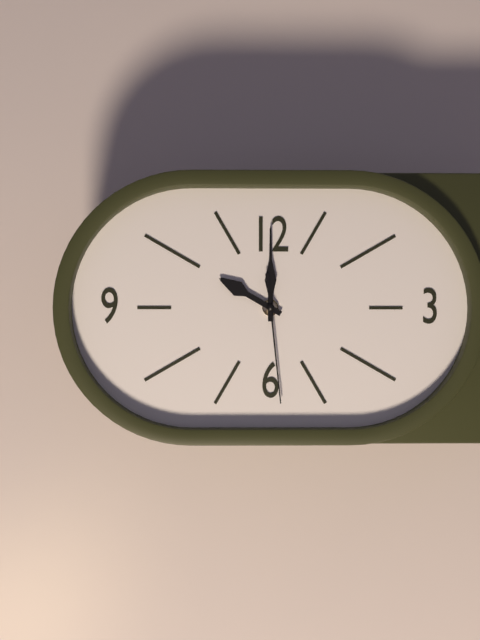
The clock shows {"hour": 10, "minute": 0, "second": 29}
